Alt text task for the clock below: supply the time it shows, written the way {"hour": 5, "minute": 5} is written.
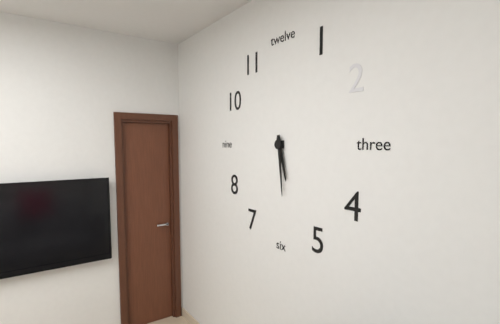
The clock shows {"hour": 5, "minute": 29}
